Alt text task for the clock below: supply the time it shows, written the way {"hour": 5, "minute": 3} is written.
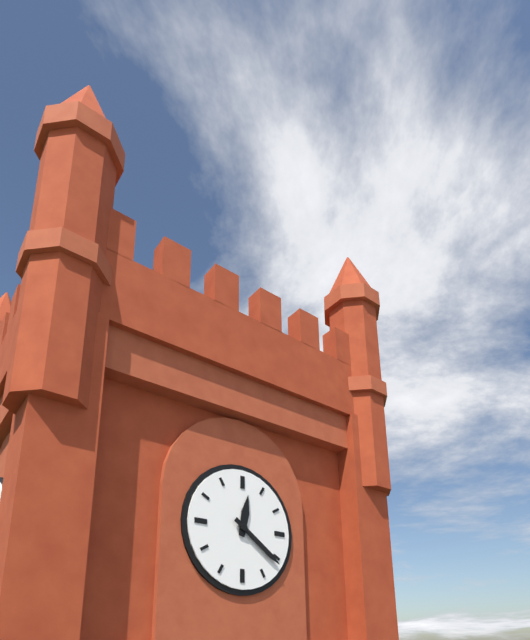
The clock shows {"hour": 12, "minute": 21}
